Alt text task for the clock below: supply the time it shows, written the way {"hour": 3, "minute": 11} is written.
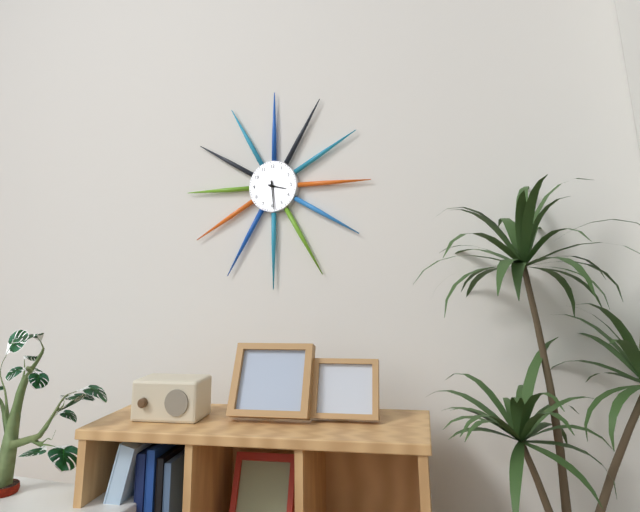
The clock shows {"hour": 3, "minute": 29}
